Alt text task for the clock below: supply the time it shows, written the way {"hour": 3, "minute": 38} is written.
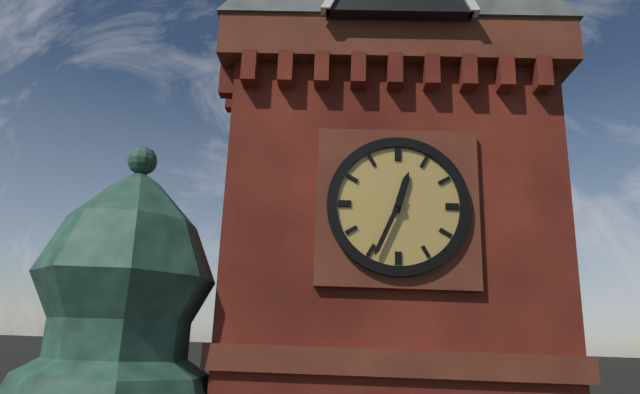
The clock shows {"hour": 12, "minute": 34}
